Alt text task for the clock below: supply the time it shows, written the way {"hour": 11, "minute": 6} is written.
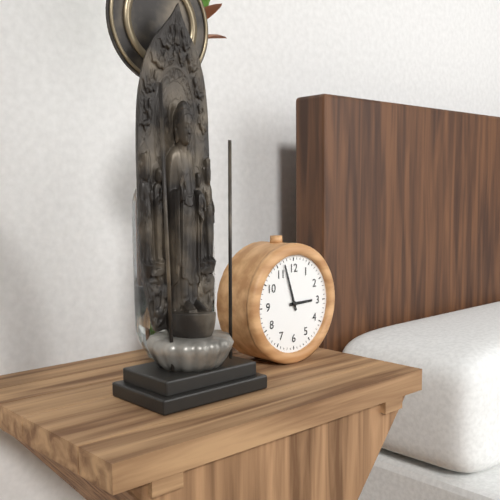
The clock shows {"hour": 2, "minute": 57}
